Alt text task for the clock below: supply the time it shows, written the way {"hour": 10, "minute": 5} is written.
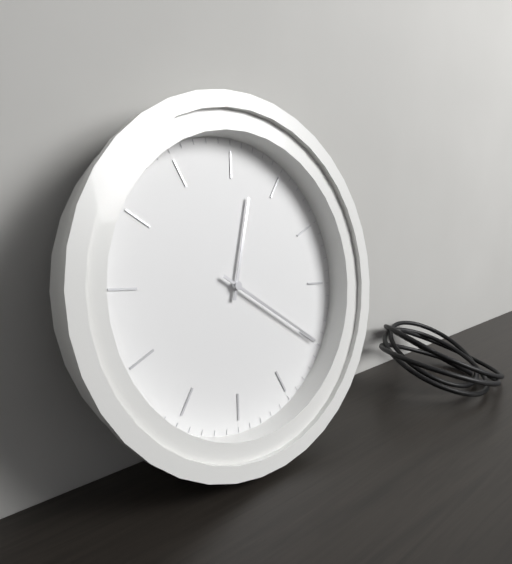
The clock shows {"hour": 1, "minute": 25}
